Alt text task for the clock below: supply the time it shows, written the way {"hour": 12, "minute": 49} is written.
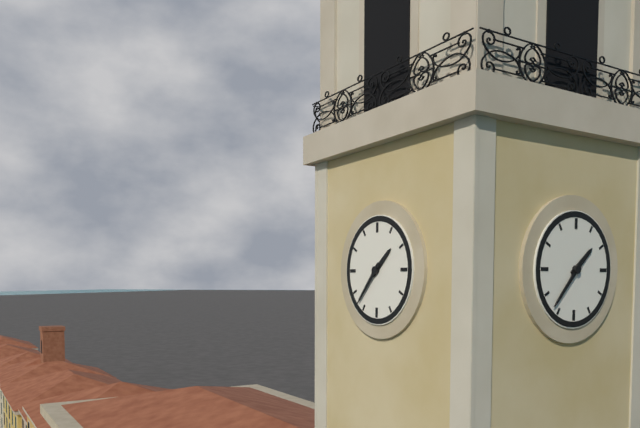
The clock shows {"hour": 1, "minute": 37}
